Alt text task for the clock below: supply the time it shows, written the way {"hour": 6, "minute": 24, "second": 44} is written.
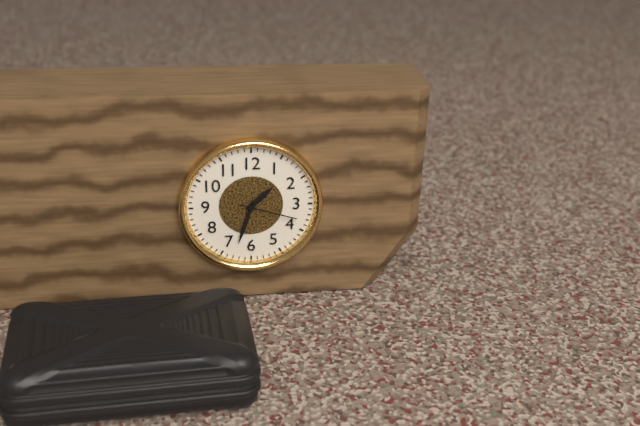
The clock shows {"hour": 1, "minute": 33, "second": 18}
